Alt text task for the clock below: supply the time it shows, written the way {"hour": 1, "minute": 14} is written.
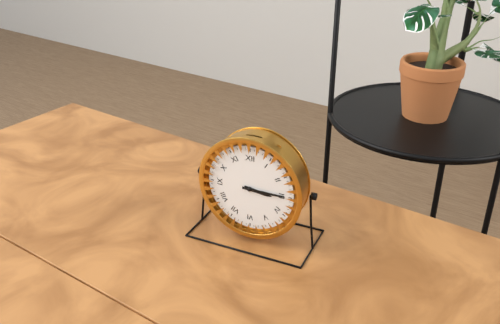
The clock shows {"hour": 3, "minute": 15}
